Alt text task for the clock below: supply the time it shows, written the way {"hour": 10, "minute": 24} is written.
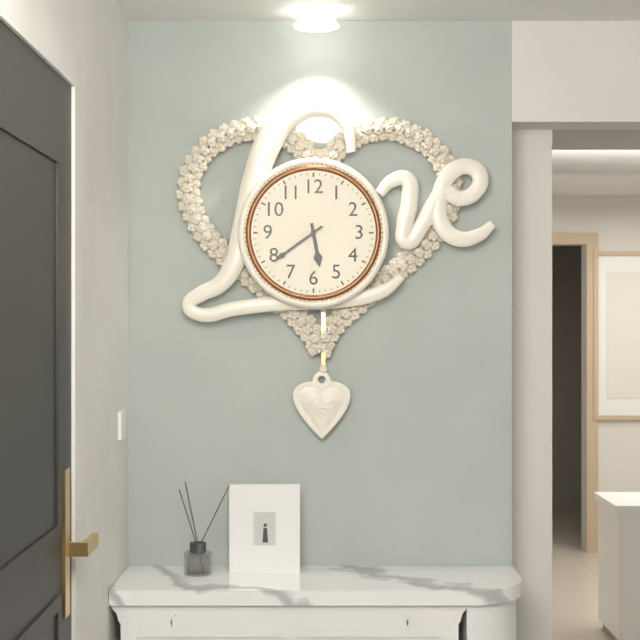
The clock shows {"hour": 5, "minute": 39}
